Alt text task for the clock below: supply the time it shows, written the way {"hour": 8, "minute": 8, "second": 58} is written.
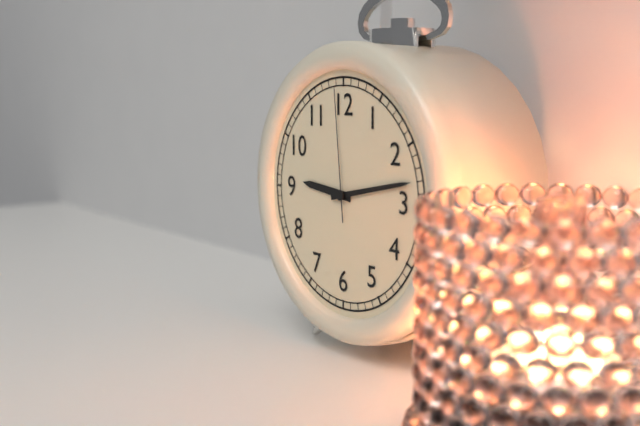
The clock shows {"hour": 9, "minute": 13, "second": 59}
